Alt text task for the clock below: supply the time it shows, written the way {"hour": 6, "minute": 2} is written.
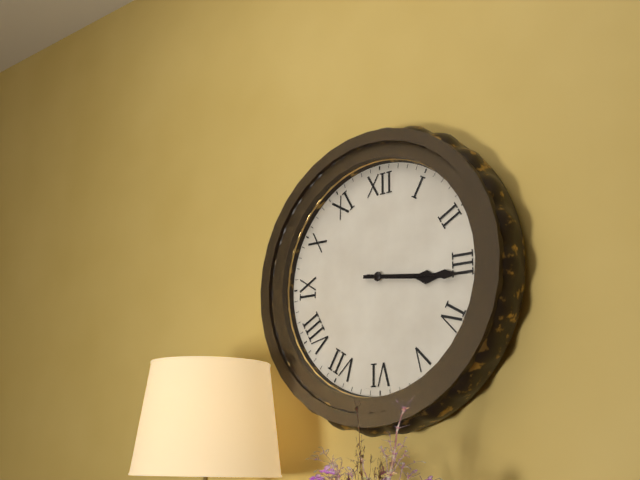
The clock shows {"hour": 3, "minute": 16}
